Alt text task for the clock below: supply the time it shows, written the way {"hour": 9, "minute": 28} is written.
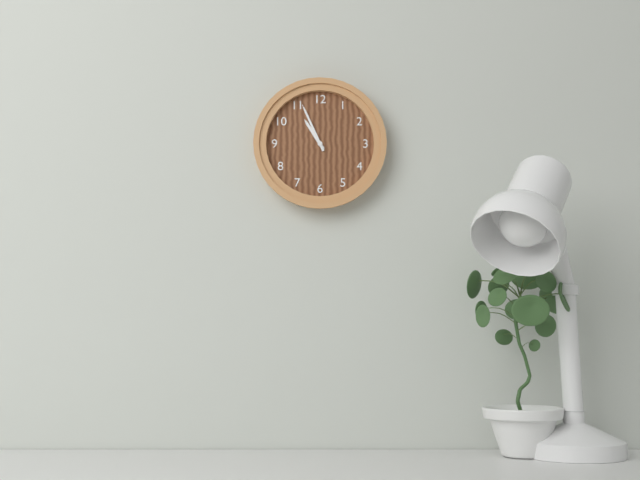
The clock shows {"hour": 10, "minute": 56}
